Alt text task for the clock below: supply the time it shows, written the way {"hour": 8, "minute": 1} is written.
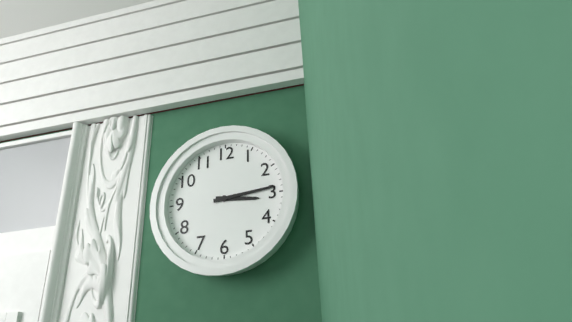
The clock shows {"hour": 3, "minute": 14}
